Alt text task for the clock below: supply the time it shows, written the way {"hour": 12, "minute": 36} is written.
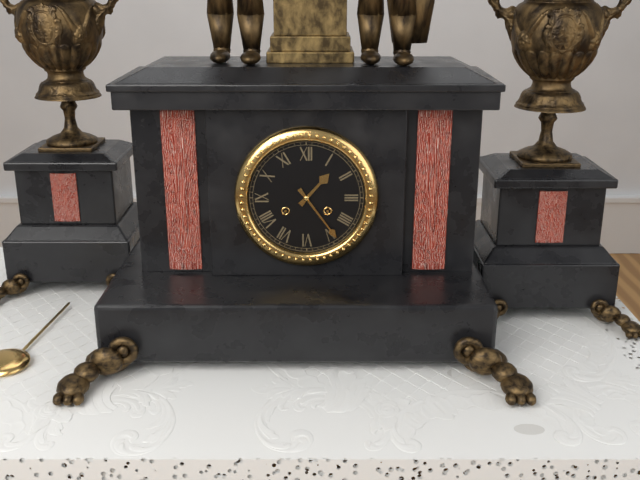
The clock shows {"hour": 1, "minute": 24}
